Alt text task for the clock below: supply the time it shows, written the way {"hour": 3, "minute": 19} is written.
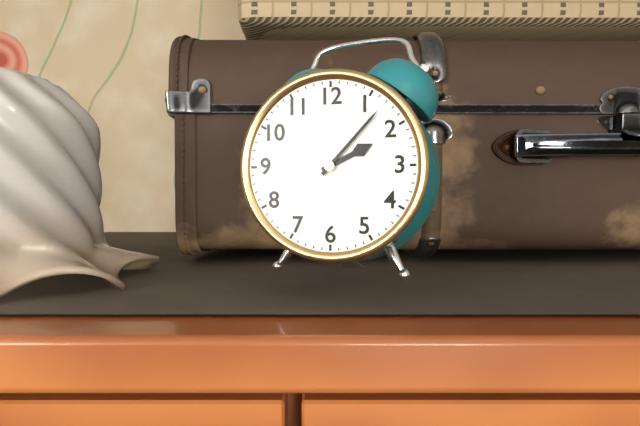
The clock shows {"hour": 2, "minute": 7}
